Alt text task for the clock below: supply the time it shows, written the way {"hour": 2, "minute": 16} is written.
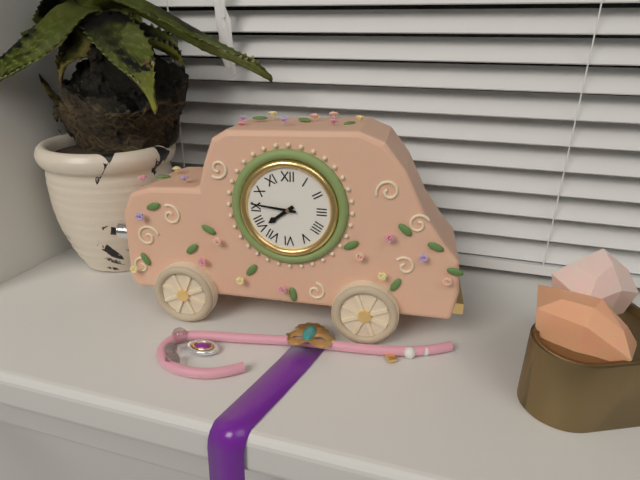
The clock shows {"hour": 7, "minute": 46}
